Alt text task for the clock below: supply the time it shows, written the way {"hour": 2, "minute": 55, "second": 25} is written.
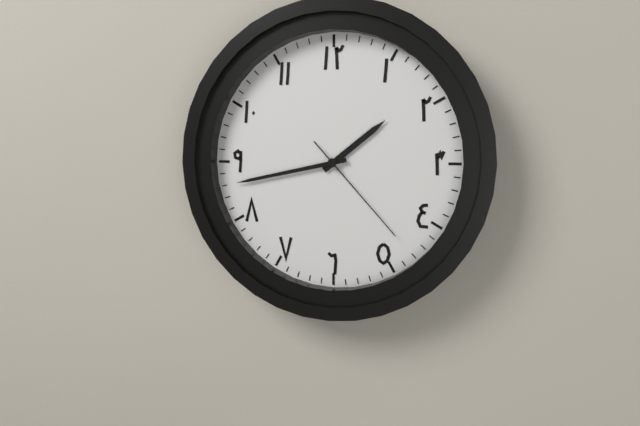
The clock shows {"hour": 1, "minute": 43, "second": 23}
